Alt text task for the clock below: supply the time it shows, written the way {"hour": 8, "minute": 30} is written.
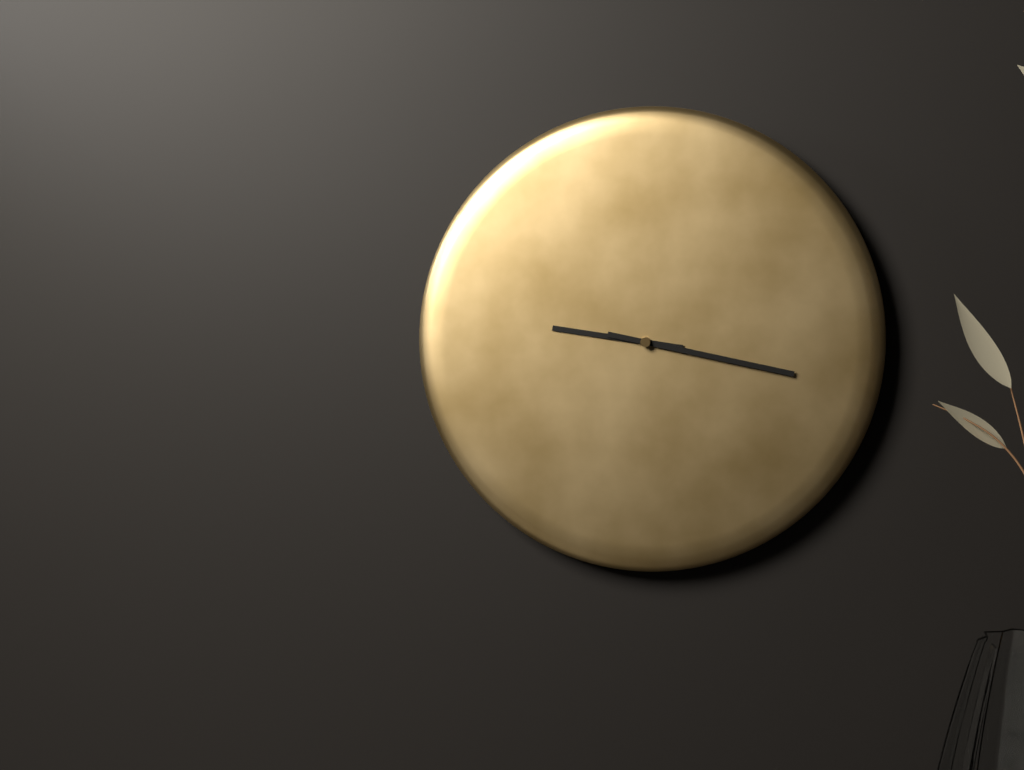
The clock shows {"hour": 9, "minute": 17}
